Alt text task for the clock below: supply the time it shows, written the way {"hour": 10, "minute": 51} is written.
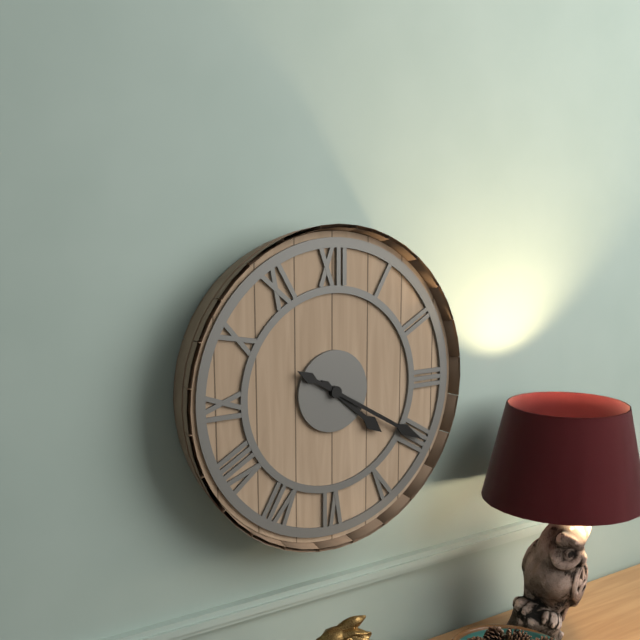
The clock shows {"hour": 4, "minute": 20}
